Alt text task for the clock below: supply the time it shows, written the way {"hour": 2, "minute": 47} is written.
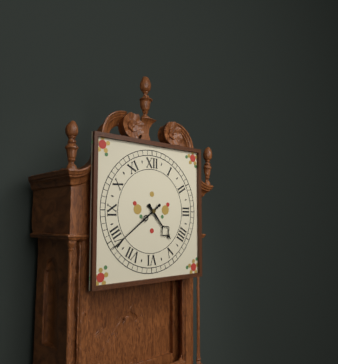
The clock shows {"hour": 4, "minute": 39}
